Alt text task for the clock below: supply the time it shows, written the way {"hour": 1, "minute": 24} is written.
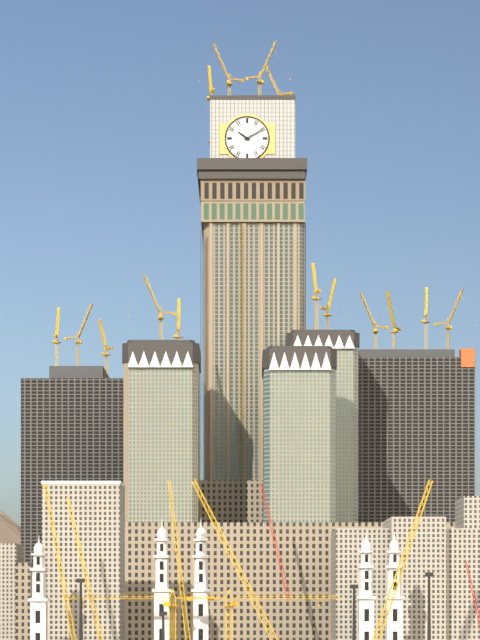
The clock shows {"hour": 10, "minute": 10}
